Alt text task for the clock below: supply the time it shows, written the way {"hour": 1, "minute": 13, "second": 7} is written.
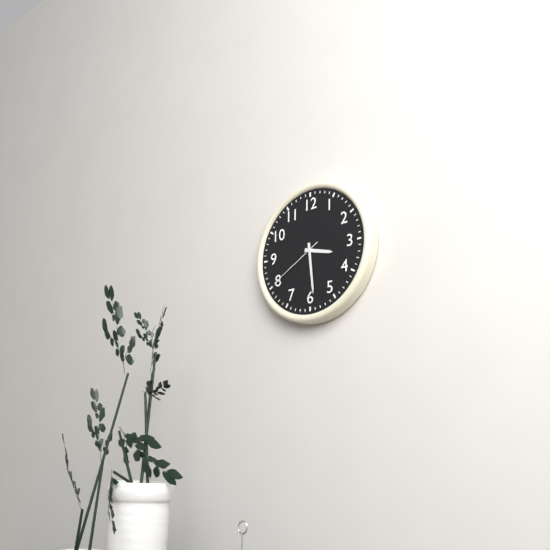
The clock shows {"hour": 3, "minute": 29, "second": 40}
